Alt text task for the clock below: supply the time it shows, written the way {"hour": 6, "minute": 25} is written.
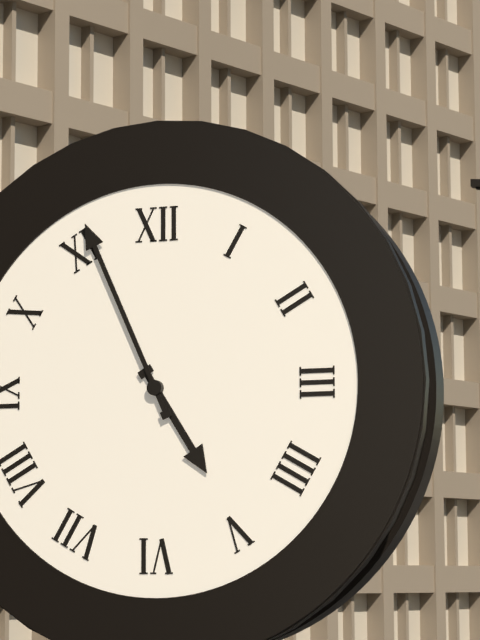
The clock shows {"hour": 4, "minute": 56}
